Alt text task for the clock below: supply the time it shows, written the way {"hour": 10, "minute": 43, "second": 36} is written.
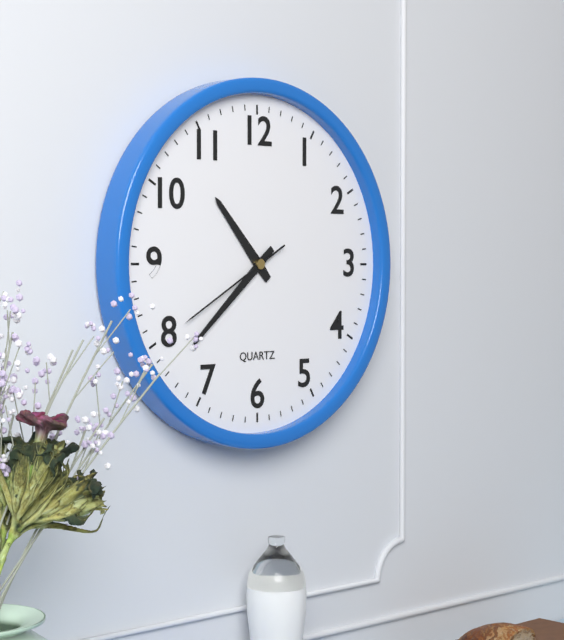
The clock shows {"hour": 10, "minute": 38, "second": 40}
